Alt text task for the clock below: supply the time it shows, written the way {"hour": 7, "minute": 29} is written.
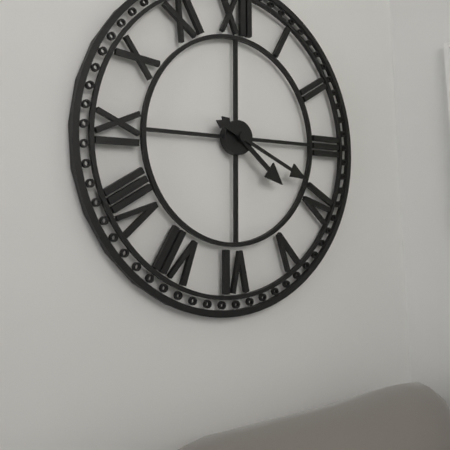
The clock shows {"hour": 4, "minute": 19}
